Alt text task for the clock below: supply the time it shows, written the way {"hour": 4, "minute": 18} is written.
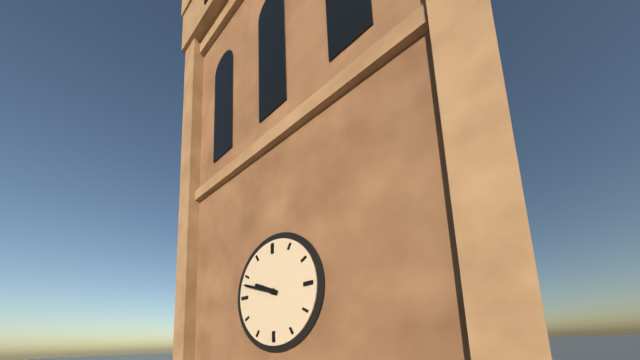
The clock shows {"hour": 9, "minute": 48}
